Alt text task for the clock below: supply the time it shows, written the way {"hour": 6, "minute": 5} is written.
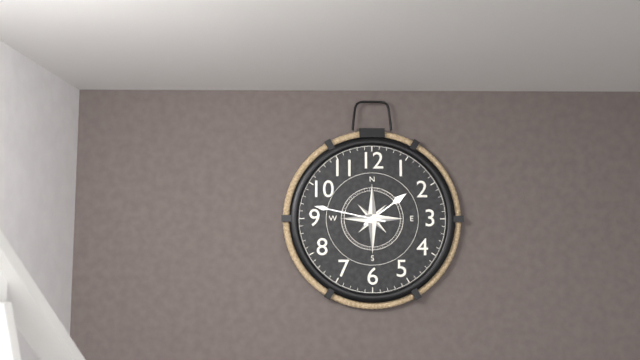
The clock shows {"hour": 1, "minute": 47}
